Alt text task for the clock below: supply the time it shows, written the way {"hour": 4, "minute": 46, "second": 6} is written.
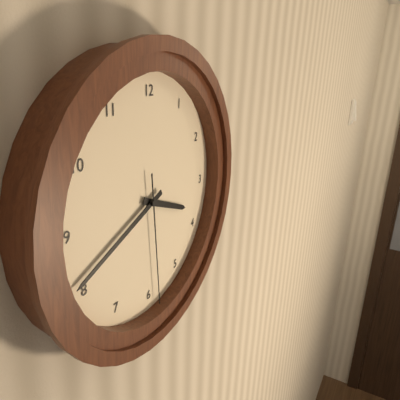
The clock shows {"hour": 3, "minute": 41, "second": 29}
